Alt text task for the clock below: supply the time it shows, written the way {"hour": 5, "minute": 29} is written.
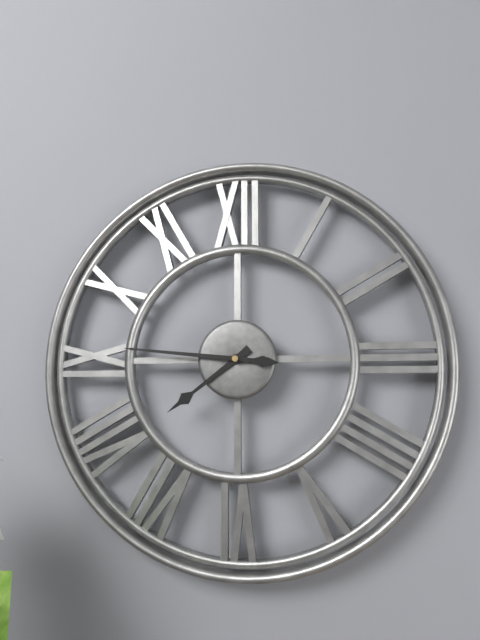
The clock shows {"hour": 7, "minute": 46}
